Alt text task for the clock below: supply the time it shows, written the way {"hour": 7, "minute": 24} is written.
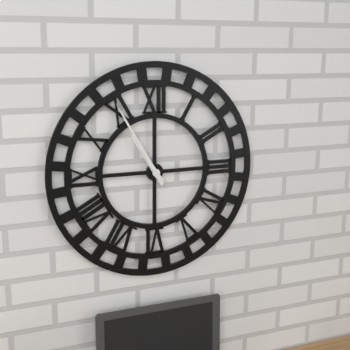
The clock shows {"hour": 10, "minute": 55}
